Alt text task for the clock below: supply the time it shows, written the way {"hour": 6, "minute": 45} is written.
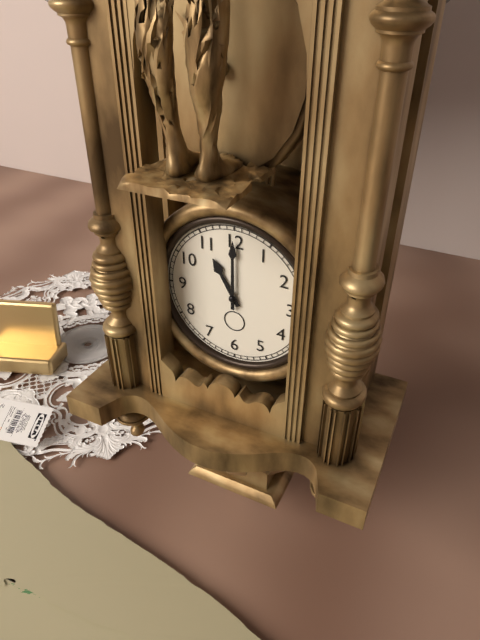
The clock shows {"hour": 11, "minute": 0}
